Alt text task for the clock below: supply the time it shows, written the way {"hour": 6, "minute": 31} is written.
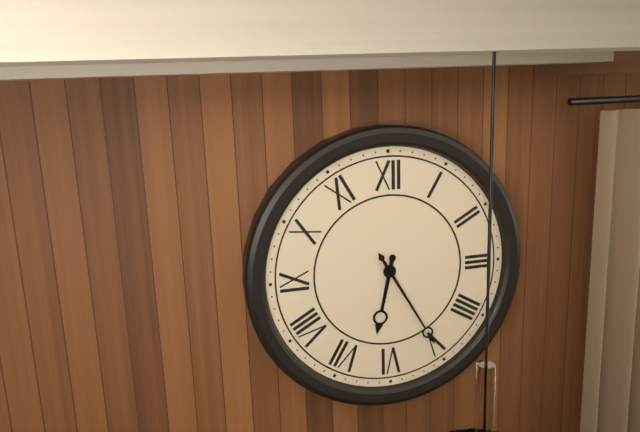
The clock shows {"hour": 6, "minute": 25}
